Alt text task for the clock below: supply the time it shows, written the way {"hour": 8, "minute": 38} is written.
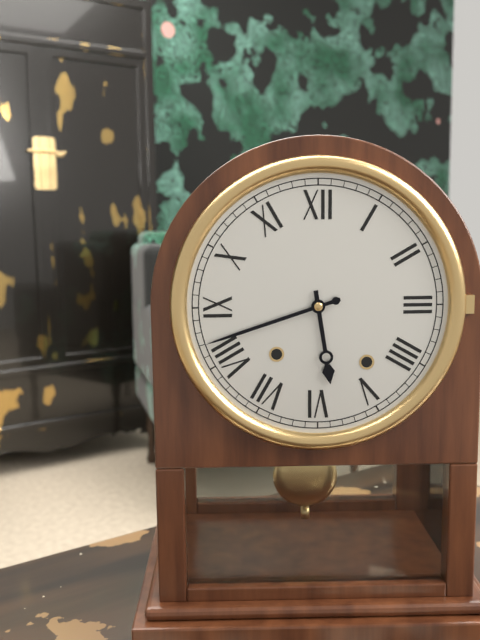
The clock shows {"hour": 5, "minute": 42}
